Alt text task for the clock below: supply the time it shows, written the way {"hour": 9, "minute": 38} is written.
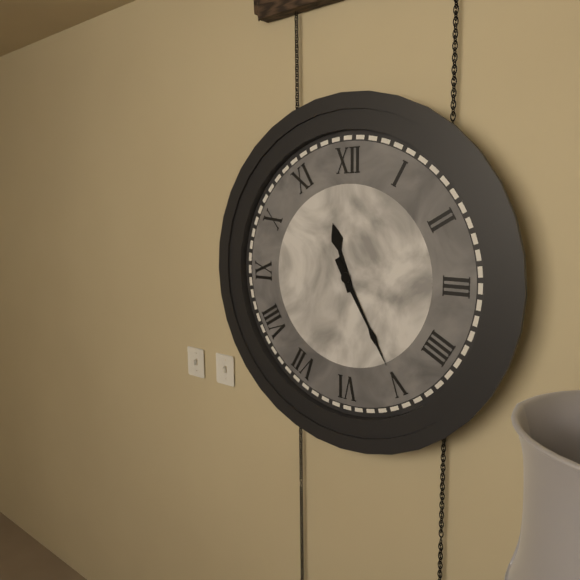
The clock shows {"hour": 11, "minute": 25}
